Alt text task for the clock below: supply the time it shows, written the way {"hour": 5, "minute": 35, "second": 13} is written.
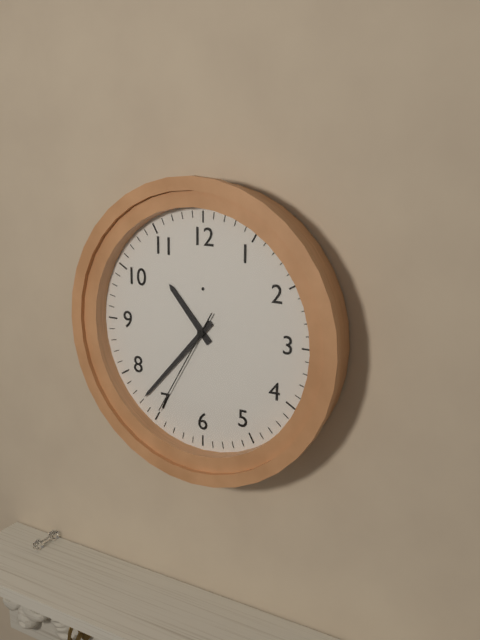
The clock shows {"hour": 10, "minute": 37, "second": 35}
